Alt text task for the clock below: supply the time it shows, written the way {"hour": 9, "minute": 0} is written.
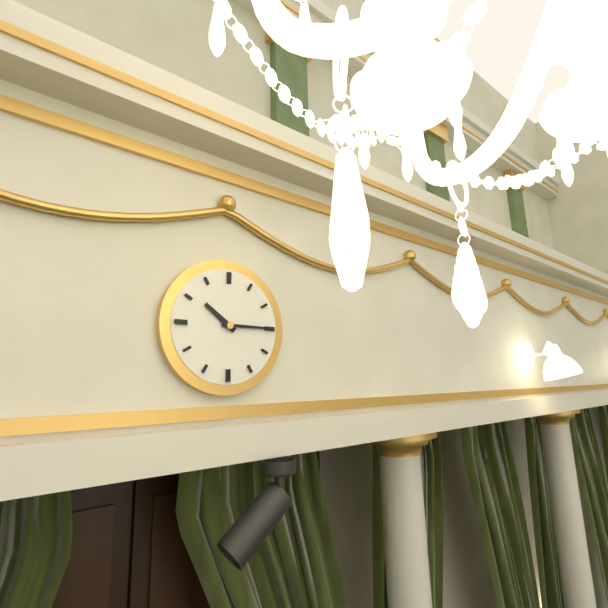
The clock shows {"hour": 10, "minute": 15}
